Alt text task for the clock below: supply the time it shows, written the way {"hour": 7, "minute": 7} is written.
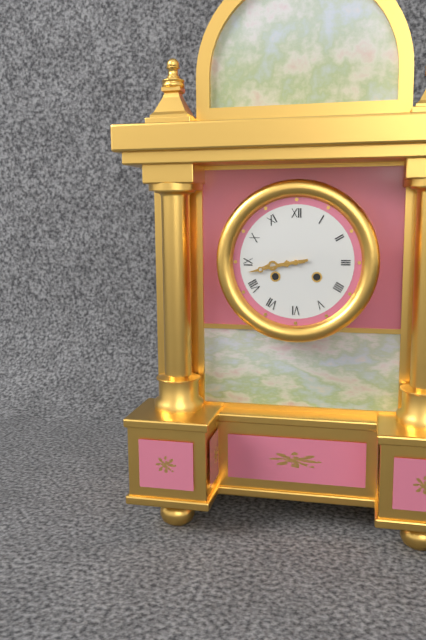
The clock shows {"hour": 8, "minute": 43}
